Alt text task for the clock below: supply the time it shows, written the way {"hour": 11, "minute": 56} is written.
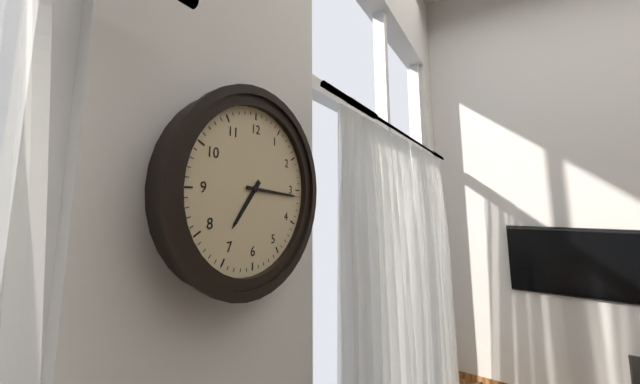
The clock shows {"hour": 7, "minute": 16}
